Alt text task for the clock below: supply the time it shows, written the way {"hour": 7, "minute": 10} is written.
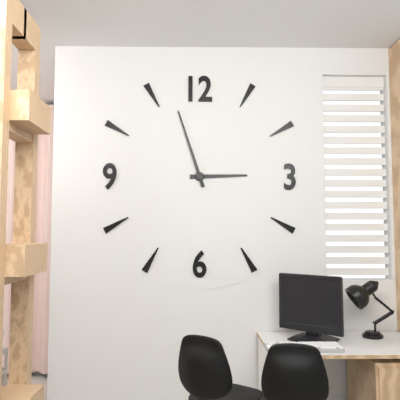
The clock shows {"hour": 2, "minute": 57}
